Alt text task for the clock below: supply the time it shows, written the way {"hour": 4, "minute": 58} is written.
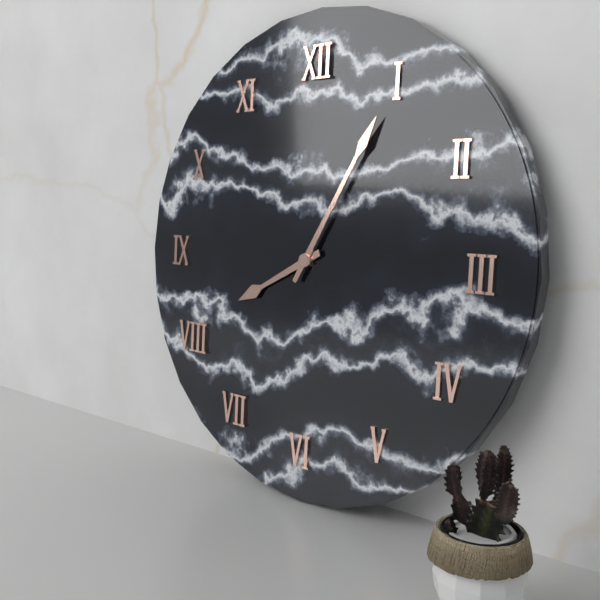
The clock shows {"hour": 8, "minute": 5}
